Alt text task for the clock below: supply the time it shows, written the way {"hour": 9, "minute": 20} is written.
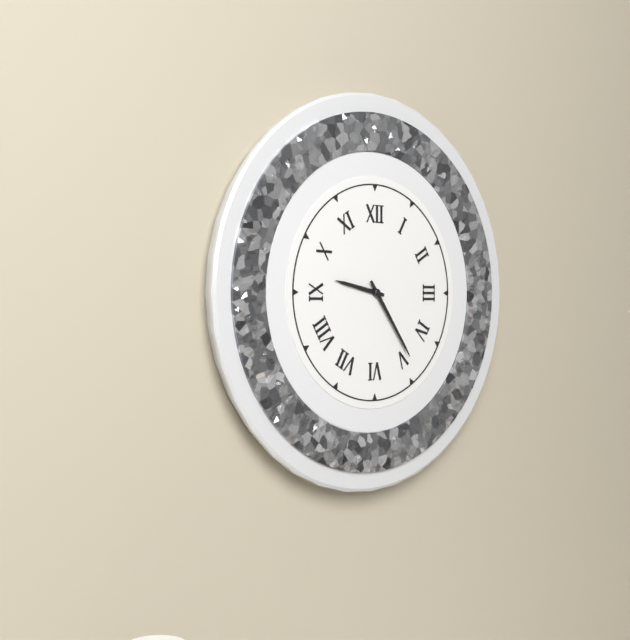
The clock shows {"hour": 9, "minute": 24}
